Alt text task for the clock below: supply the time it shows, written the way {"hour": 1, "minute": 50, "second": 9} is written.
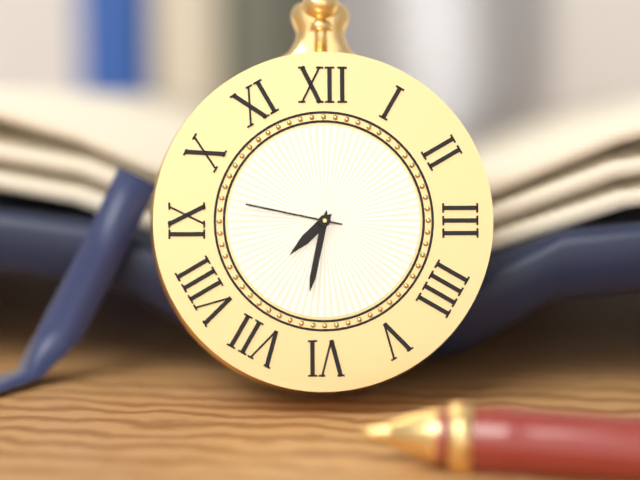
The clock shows {"hour": 7, "minute": 32, "second": 47}
